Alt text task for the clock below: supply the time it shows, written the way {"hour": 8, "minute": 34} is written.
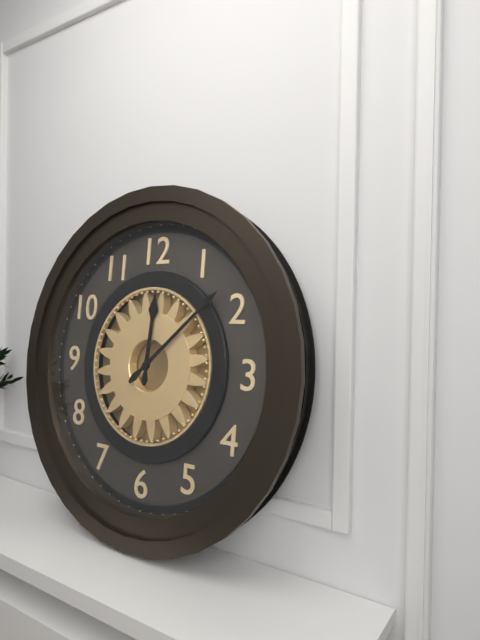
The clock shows {"hour": 12, "minute": 8}
